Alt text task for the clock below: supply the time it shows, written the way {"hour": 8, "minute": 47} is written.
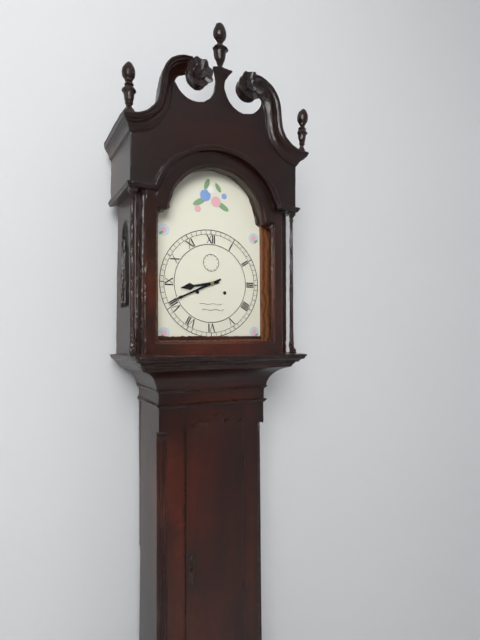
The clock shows {"hour": 8, "minute": 41}
